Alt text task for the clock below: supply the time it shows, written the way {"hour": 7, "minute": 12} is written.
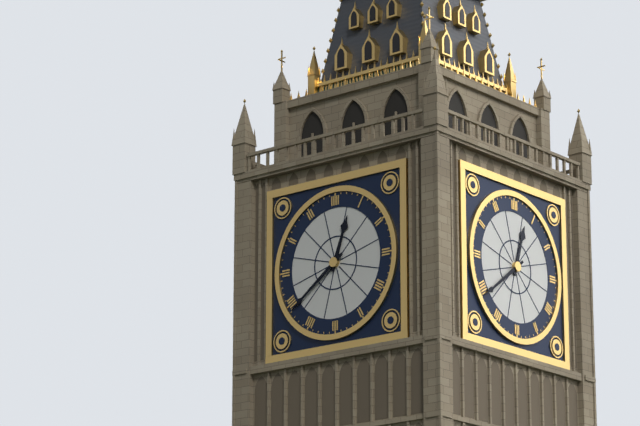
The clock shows {"hour": 12, "minute": 39}
